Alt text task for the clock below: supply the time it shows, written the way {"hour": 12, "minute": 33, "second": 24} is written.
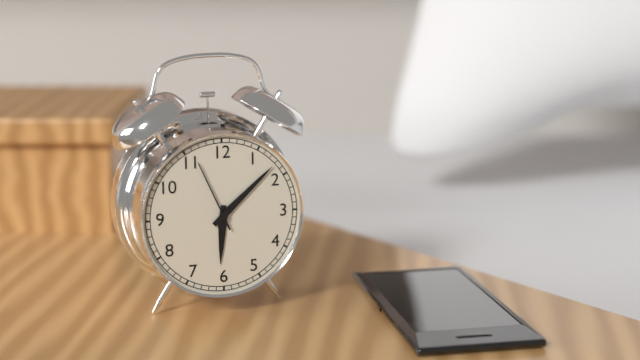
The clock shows {"hour": 6, "minute": 8, "second": 56}
